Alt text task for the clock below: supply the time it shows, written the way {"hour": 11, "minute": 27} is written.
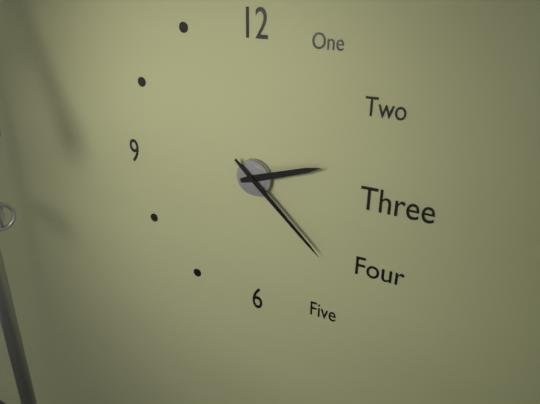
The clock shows {"hour": 2, "minute": 22}
